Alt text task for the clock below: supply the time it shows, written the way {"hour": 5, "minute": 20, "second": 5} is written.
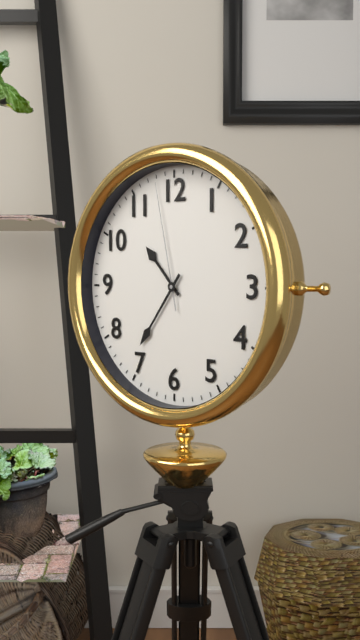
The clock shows {"hour": 10, "minute": 36, "second": 58}
